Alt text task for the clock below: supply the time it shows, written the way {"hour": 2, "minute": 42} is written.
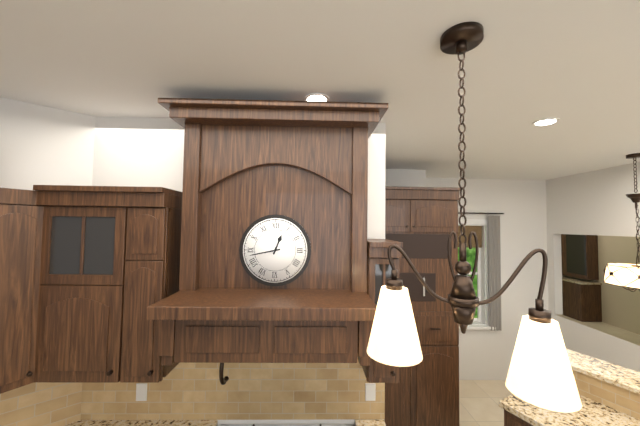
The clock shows {"hour": 12, "minute": 43}
